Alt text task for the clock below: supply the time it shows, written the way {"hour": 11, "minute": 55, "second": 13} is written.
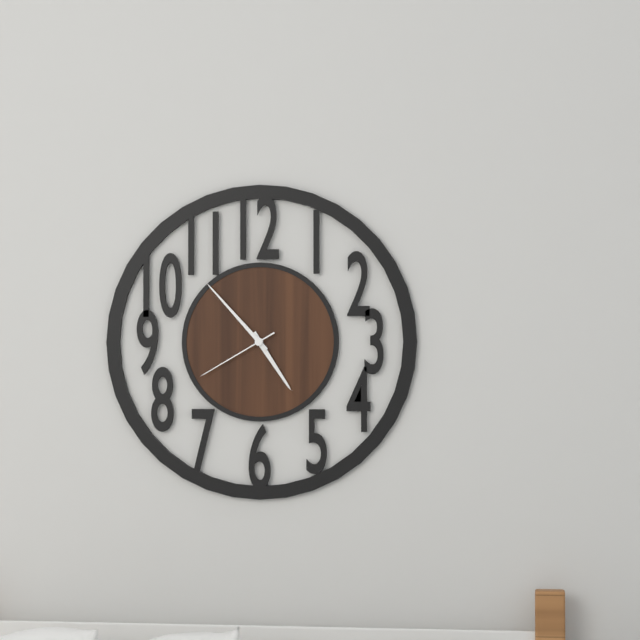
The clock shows {"hour": 4, "minute": 53, "second": 40}
